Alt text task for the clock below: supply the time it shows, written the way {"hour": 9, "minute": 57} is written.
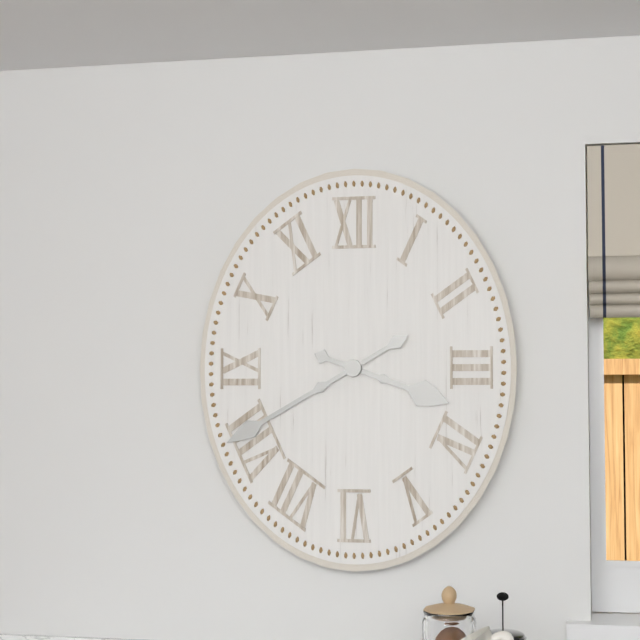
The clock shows {"hour": 3, "minute": 40}
